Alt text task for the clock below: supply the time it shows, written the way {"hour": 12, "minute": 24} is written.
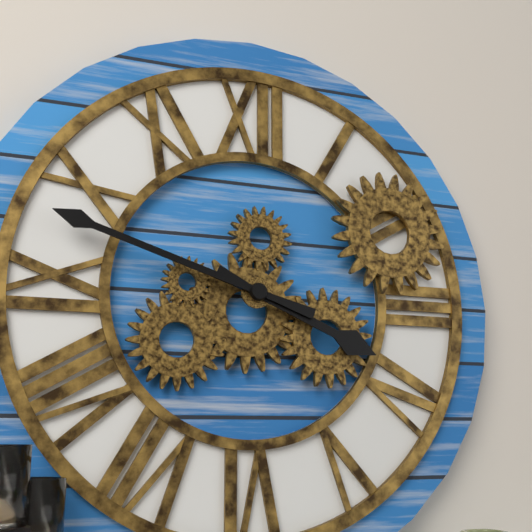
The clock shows {"hour": 3, "minute": 48}
